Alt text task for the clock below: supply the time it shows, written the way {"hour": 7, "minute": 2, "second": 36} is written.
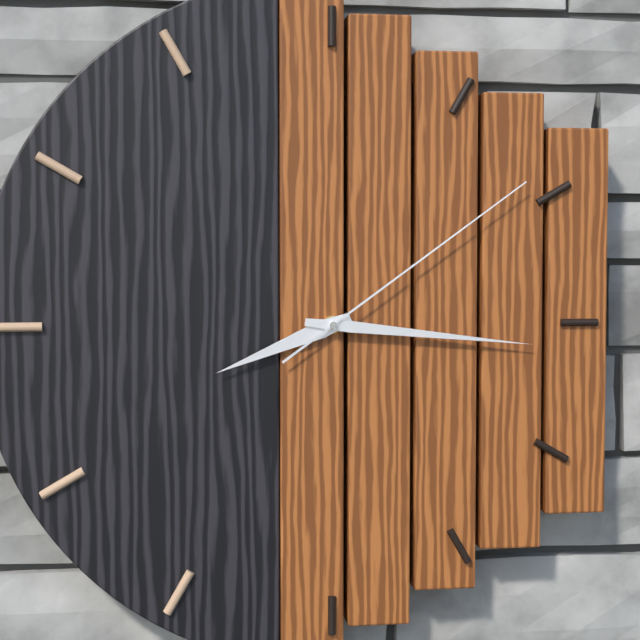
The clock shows {"hour": 8, "minute": 16, "second": 9}
